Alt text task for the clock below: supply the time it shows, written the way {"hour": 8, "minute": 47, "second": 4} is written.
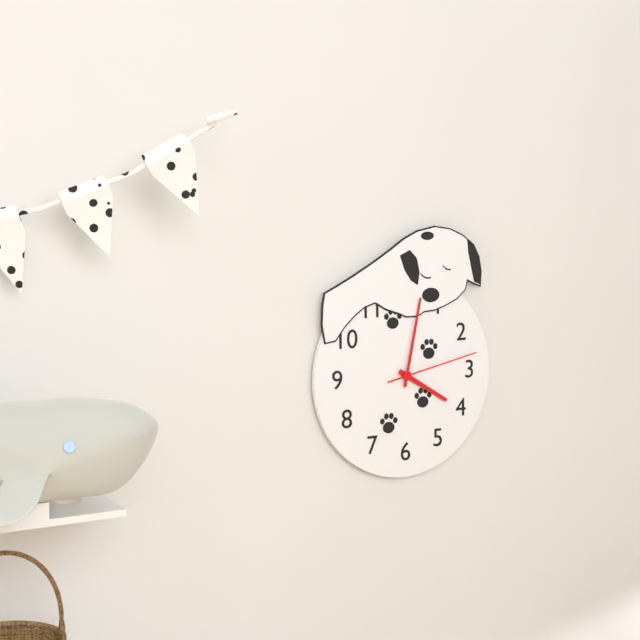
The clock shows {"hour": 4, "minute": 2, "second": 13}
